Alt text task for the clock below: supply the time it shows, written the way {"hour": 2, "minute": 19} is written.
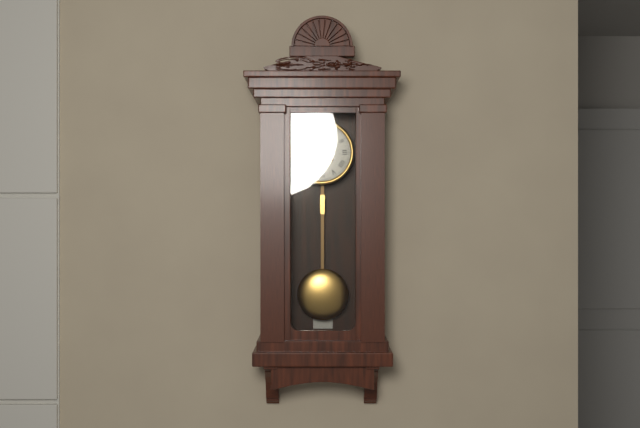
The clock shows {"hour": 2, "minute": 29}
